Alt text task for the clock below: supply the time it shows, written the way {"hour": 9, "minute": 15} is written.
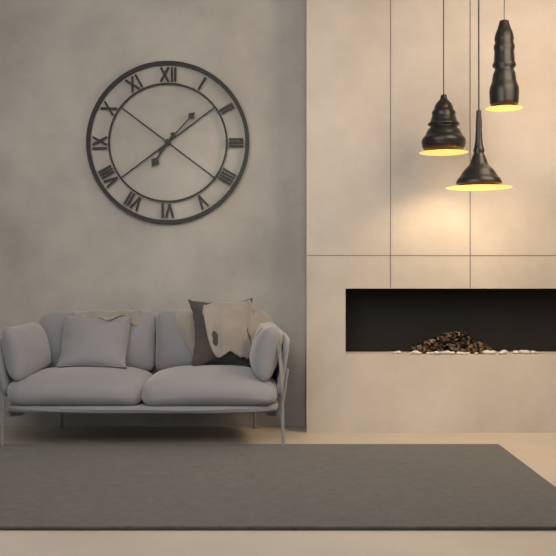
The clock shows {"hour": 7, "minute": 7}
